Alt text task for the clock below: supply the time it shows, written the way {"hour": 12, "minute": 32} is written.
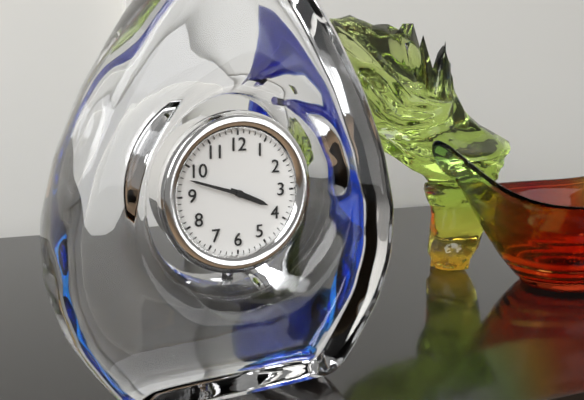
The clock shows {"hour": 3, "minute": 48}
